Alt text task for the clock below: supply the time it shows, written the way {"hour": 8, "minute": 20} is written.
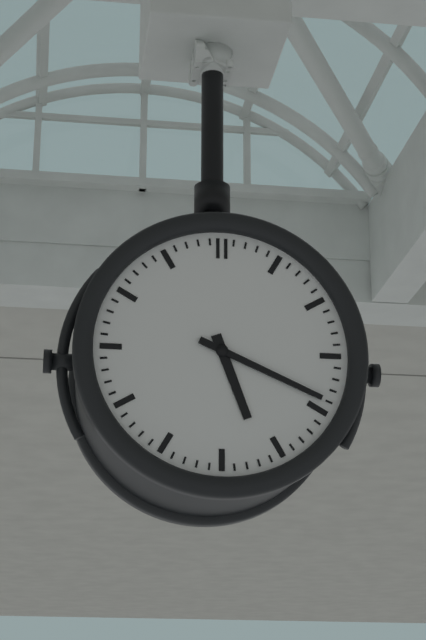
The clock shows {"hour": 5, "minute": 19}
